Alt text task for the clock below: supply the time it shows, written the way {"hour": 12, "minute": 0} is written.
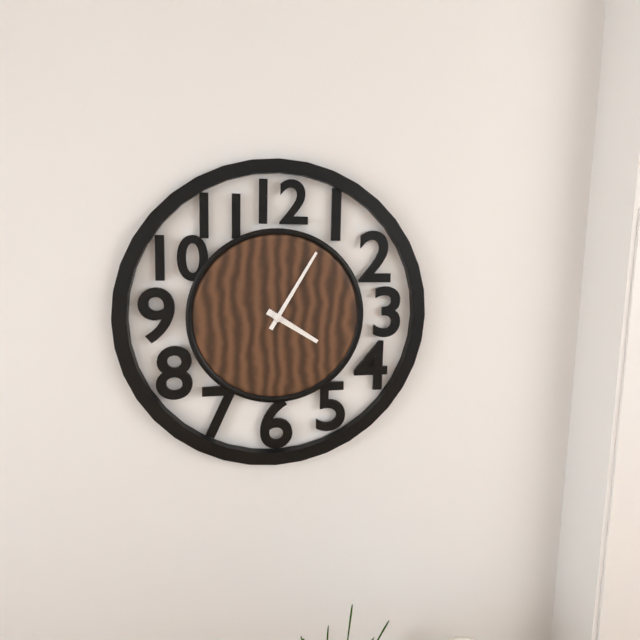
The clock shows {"hour": 4, "minute": 5}
